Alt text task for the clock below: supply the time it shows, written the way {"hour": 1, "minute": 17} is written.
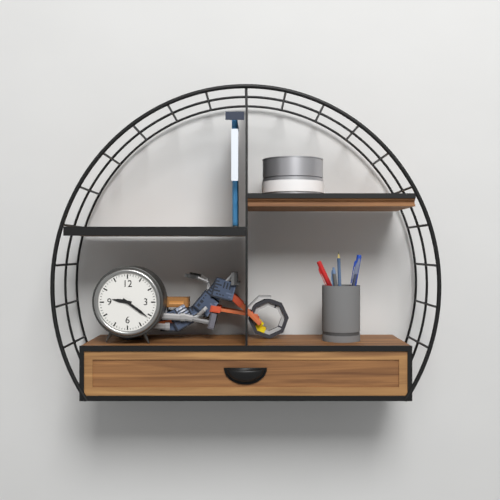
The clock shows {"hour": 9, "minute": 21}
